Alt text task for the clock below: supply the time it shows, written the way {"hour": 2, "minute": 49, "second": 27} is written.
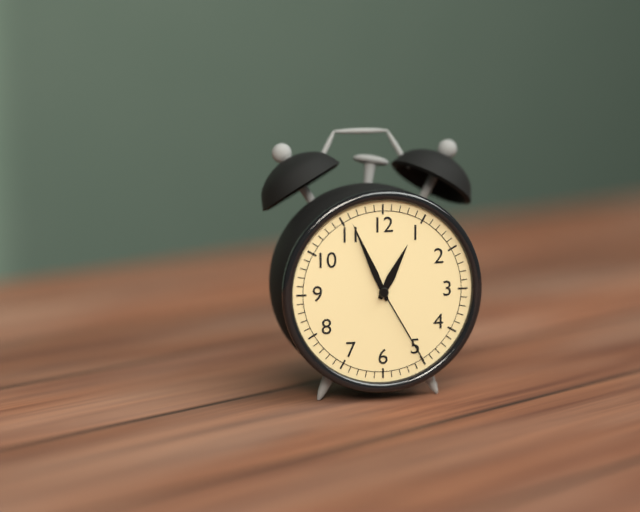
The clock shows {"hour": 12, "minute": 56, "second": 25}
